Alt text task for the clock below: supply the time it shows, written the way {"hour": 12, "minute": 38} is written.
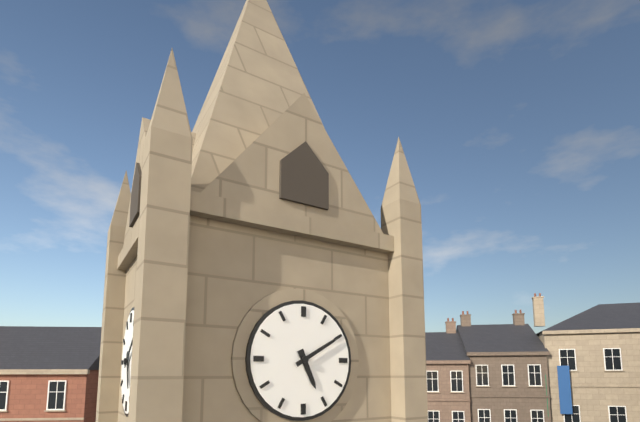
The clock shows {"hour": 5, "minute": 10}
